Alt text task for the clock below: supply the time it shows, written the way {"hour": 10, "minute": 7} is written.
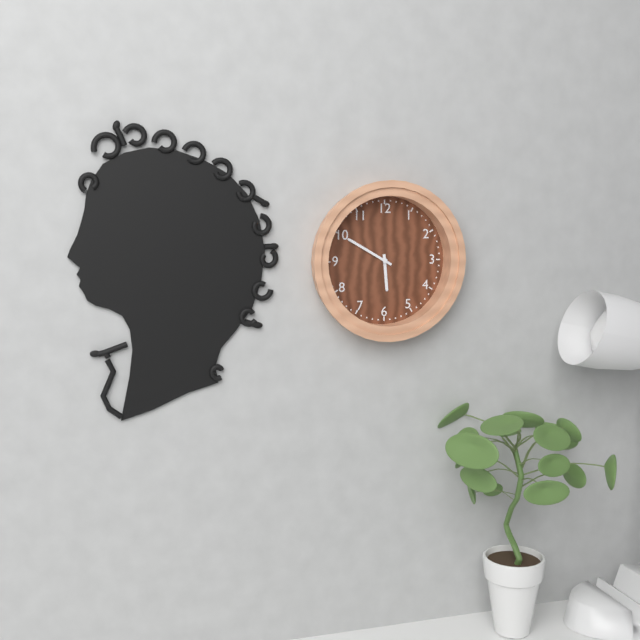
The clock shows {"hour": 5, "minute": 50}
